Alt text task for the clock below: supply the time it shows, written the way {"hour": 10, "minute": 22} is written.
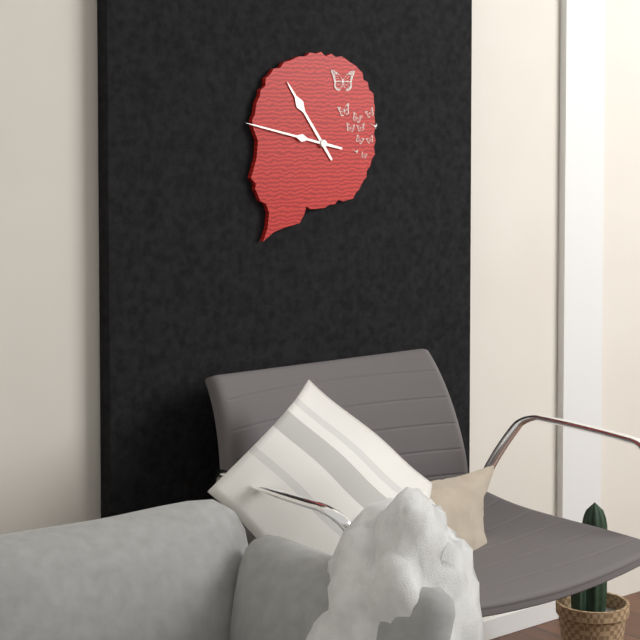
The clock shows {"hour": 10, "minute": 47}
